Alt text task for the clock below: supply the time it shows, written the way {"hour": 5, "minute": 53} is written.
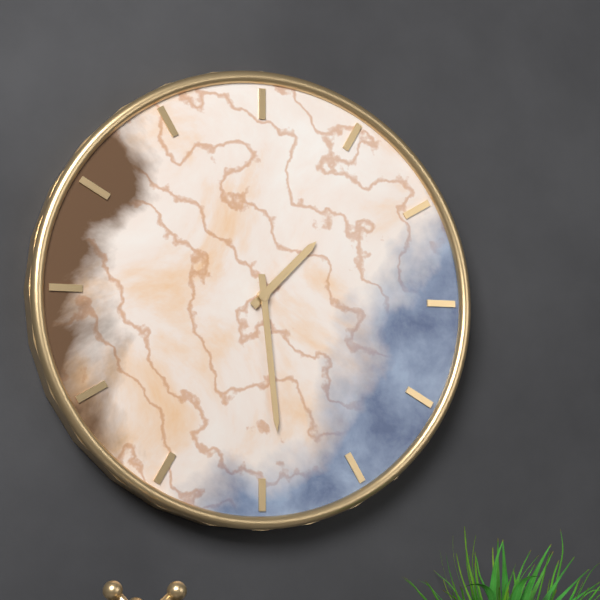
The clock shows {"hour": 1, "minute": 29}
